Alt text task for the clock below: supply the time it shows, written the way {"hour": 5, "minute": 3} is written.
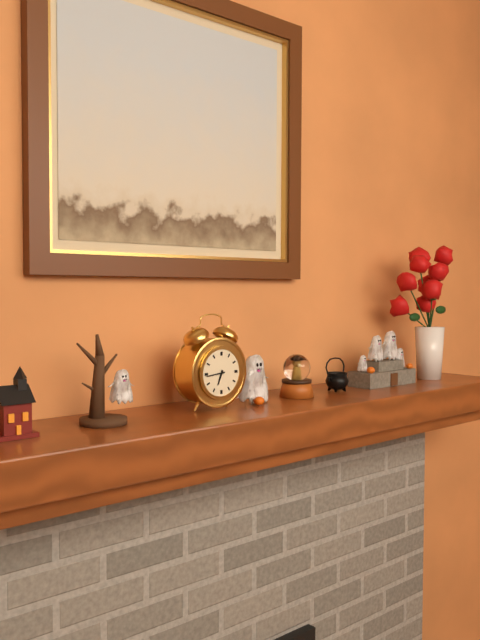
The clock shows {"hour": 6, "minute": 44}
